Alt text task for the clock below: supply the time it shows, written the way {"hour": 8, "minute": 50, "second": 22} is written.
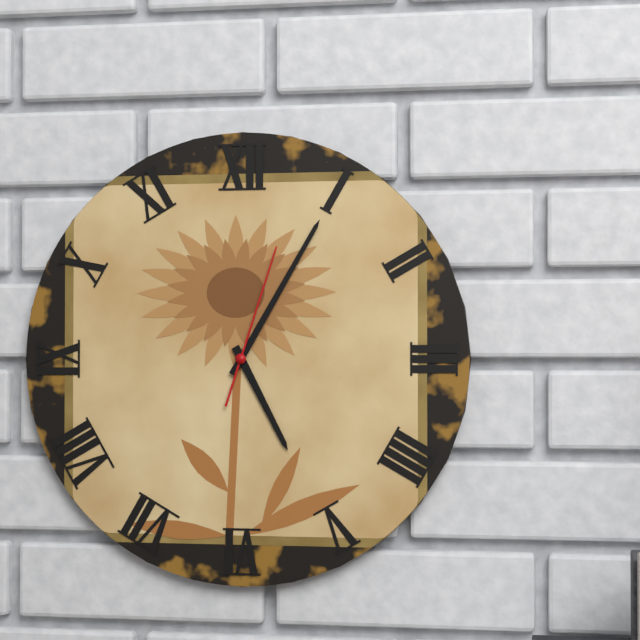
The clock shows {"hour": 5, "minute": 5, "second": 3}
